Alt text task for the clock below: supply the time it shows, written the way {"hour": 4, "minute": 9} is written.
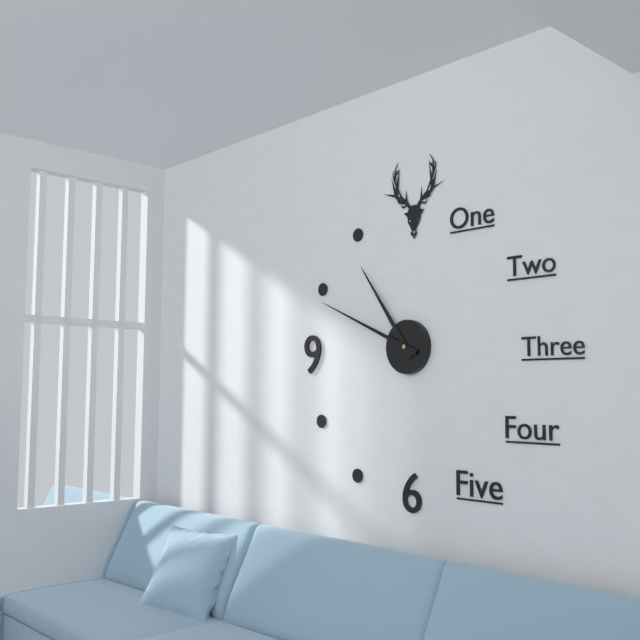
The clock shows {"hour": 10, "minute": 49}
